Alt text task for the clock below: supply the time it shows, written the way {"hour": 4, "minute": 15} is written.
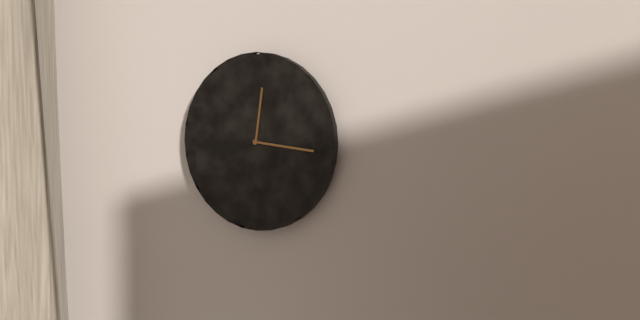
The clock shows {"hour": 12, "minute": 16}
